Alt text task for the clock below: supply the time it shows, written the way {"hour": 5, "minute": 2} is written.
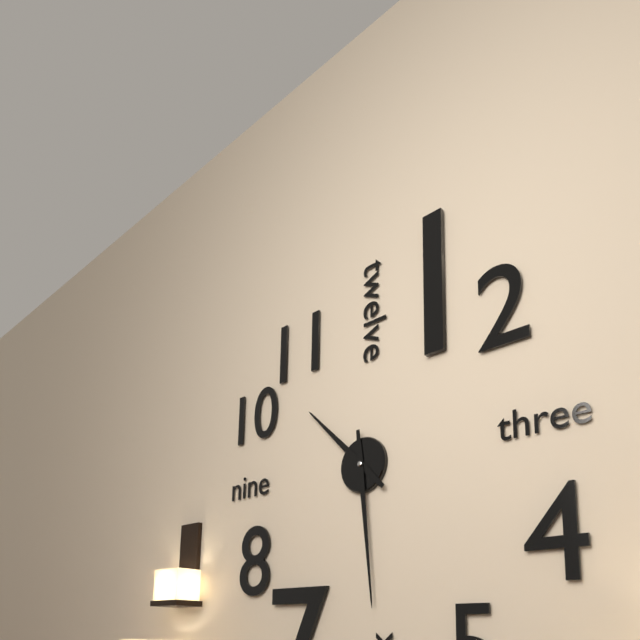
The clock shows {"hour": 10, "minute": 29}
